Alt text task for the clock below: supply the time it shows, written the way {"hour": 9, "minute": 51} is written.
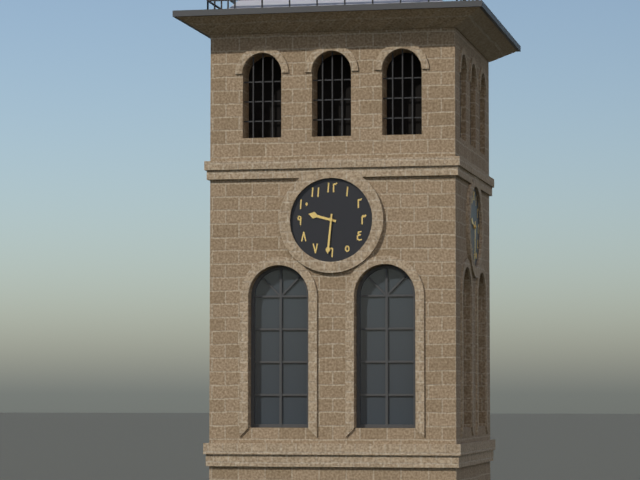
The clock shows {"hour": 9, "minute": 31}
